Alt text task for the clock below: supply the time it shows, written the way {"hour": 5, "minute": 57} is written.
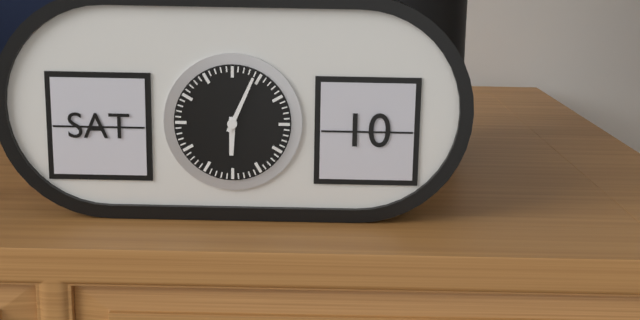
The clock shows {"hour": 6, "minute": 4}
